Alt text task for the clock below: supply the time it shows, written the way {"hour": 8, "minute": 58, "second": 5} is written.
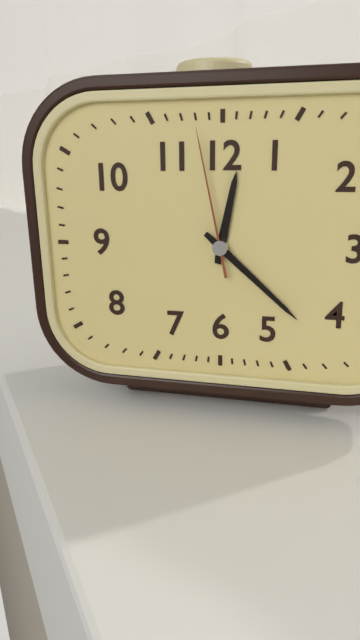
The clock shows {"hour": 12, "minute": 22, "second": 58}
